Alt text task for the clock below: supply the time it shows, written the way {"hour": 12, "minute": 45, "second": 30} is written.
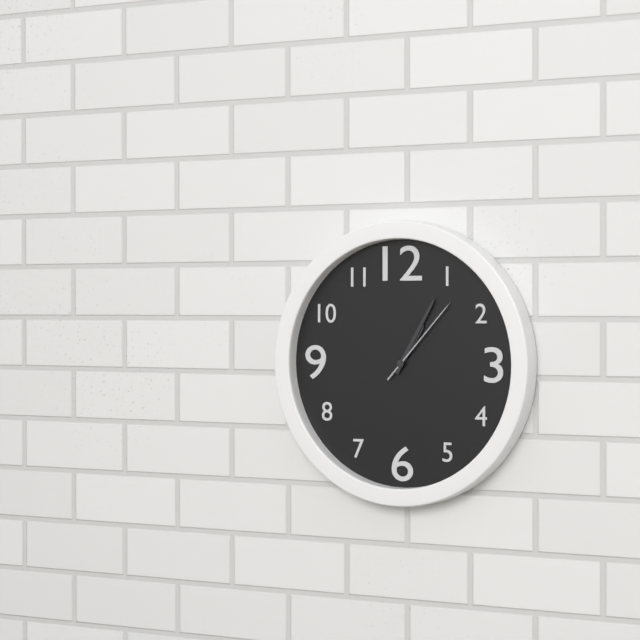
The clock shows {"hour": 1, "minute": 5, "second": 7}
